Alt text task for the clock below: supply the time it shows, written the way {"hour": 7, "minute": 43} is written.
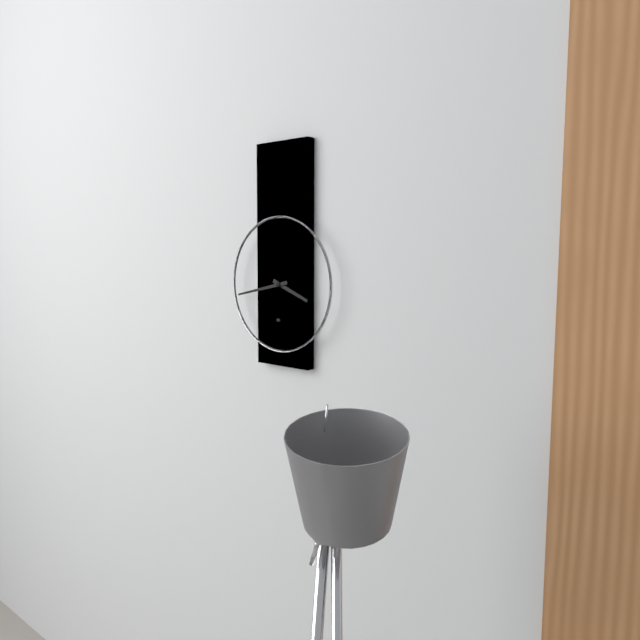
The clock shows {"hour": 3, "minute": 43}
